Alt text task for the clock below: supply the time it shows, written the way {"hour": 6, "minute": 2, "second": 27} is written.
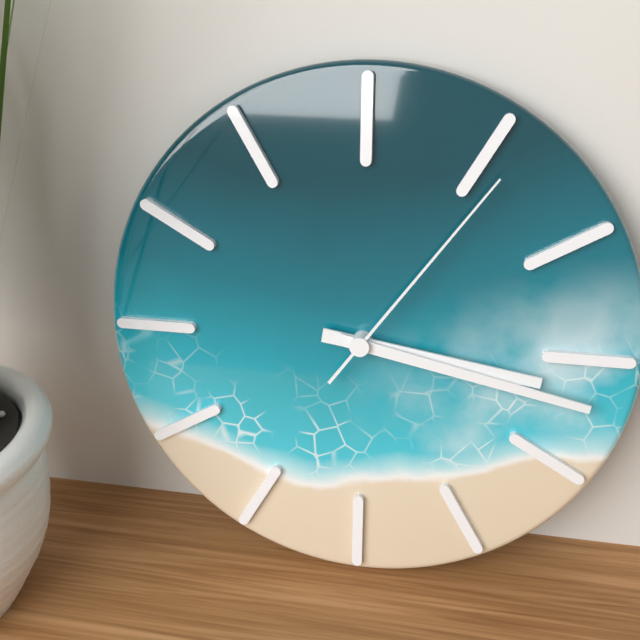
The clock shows {"hour": 3, "minute": 17, "second": 6}
